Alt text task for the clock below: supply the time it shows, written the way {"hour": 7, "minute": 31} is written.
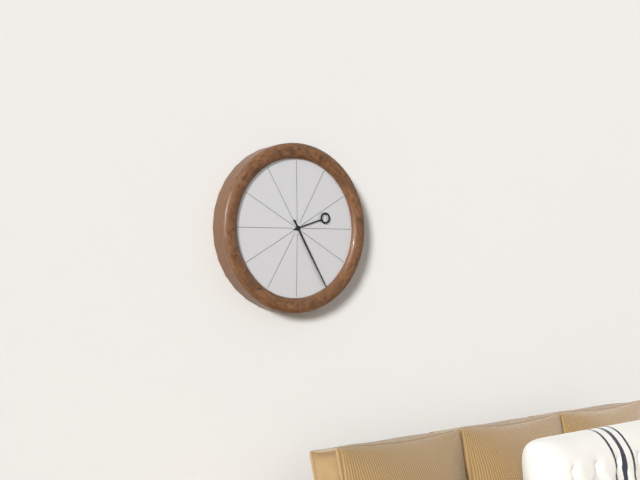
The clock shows {"hour": 2, "minute": 25}
